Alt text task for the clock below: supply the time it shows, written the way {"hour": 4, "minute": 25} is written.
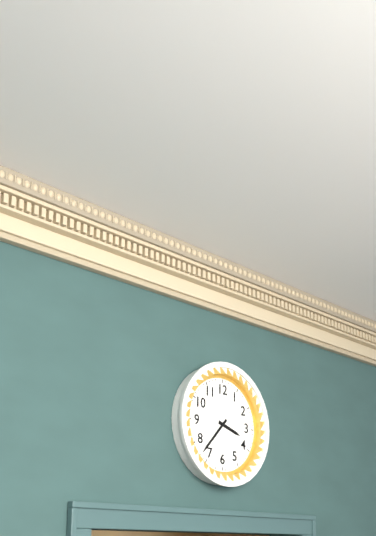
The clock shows {"hour": 3, "minute": 37}
